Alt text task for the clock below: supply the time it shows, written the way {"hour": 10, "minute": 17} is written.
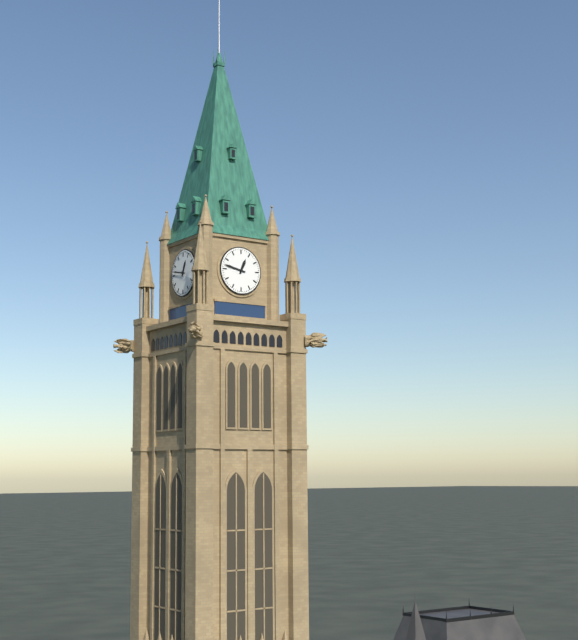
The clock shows {"hour": 12, "minute": 47}
